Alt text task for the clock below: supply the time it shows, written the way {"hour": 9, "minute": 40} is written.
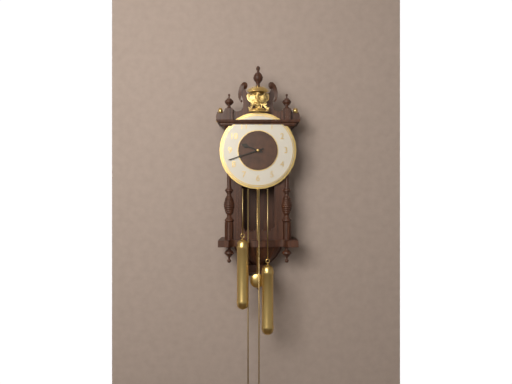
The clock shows {"hour": 9, "minute": 42}
